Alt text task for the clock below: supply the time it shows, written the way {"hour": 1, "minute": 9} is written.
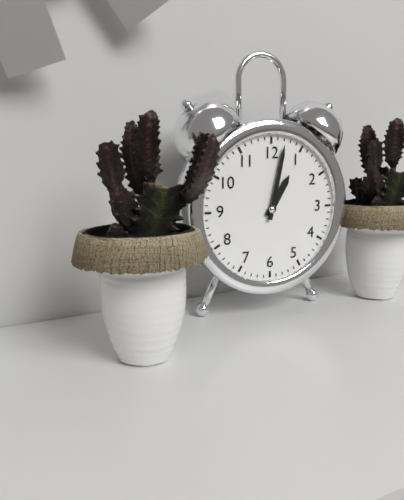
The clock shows {"hour": 1, "minute": 2}
